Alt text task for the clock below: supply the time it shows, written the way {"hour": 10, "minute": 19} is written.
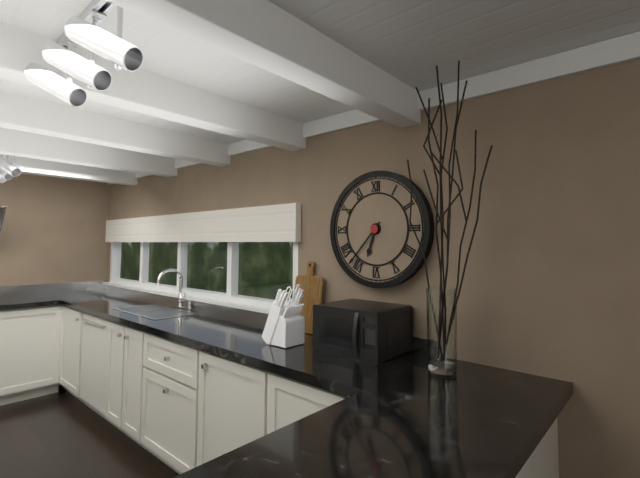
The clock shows {"hour": 6, "minute": 37}
